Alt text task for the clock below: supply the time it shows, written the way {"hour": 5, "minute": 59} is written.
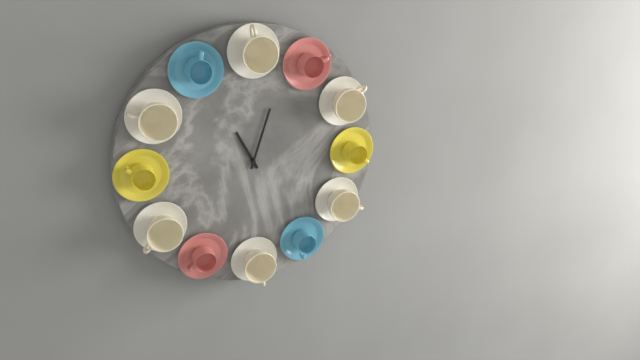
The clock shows {"hour": 11, "minute": 3}
